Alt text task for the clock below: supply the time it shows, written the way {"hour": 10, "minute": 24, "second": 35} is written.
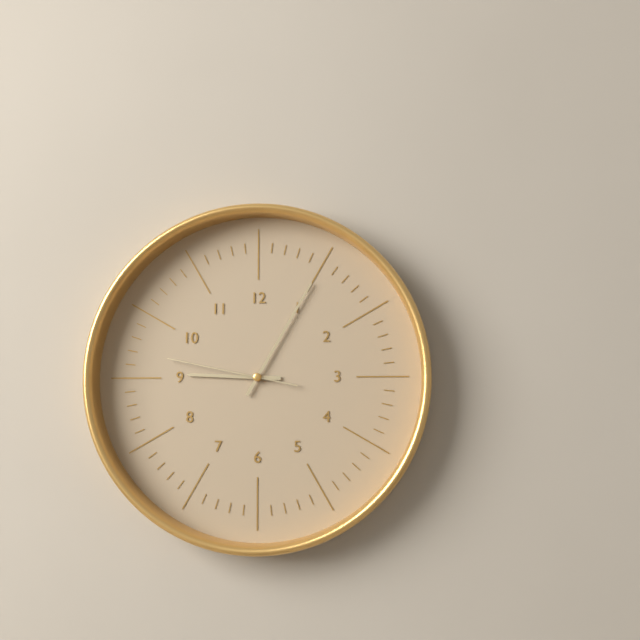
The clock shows {"hour": 9, "minute": 5, "second": 47}
